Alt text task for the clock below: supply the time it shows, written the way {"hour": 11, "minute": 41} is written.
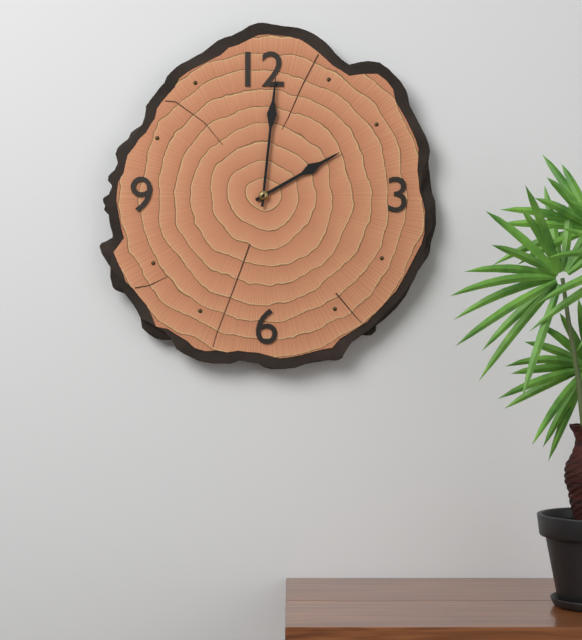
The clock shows {"hour": 2, "minute": 1}
